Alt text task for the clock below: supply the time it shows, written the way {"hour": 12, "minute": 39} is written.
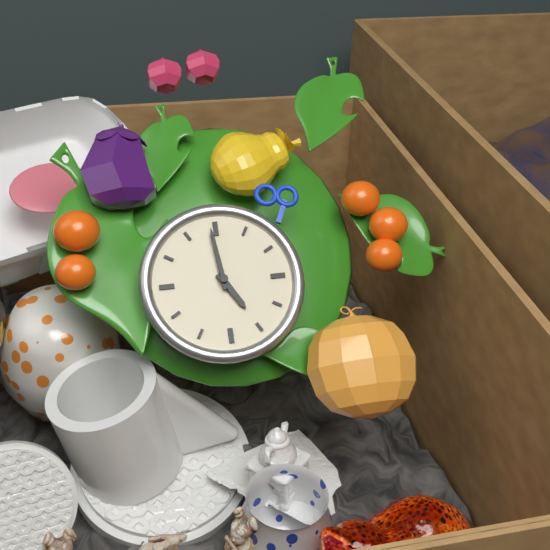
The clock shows {"hour": 4, "minute": 59}
